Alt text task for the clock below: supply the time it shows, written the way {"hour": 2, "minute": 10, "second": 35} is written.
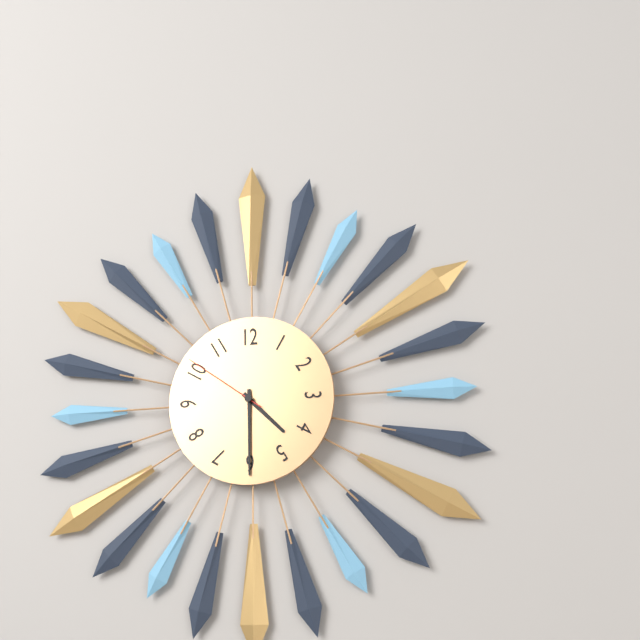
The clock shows {"hour": 4, "minute": 30, "second": 51}
